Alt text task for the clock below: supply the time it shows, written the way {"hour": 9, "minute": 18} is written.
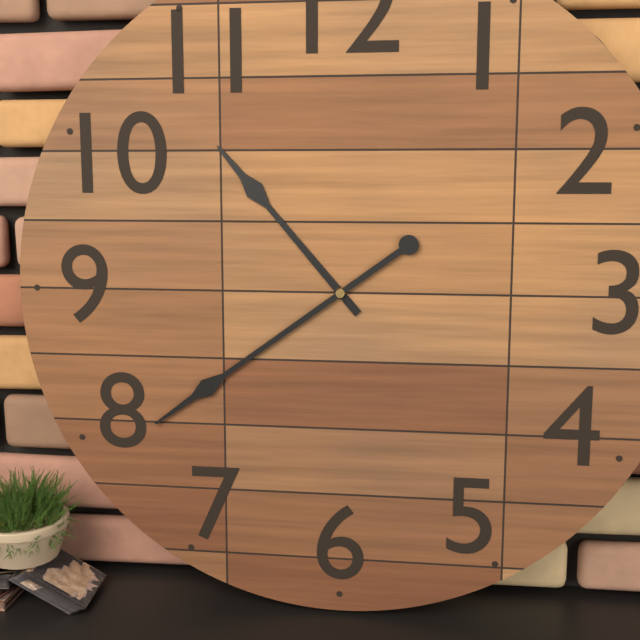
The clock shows {"hour": 10, "minute": 39}
